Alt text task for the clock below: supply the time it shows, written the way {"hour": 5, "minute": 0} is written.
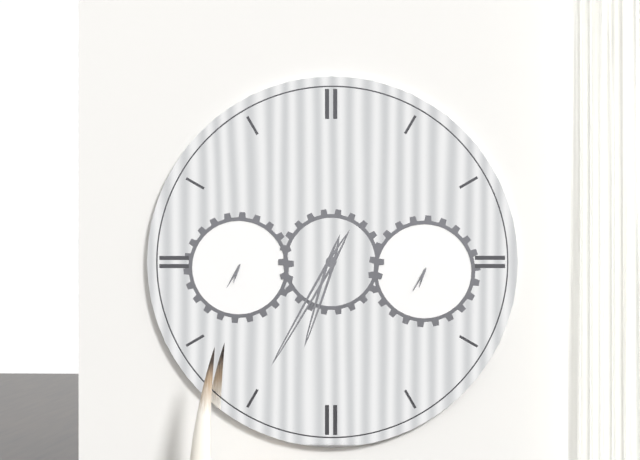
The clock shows {"hour": 6, "minute": 35}
